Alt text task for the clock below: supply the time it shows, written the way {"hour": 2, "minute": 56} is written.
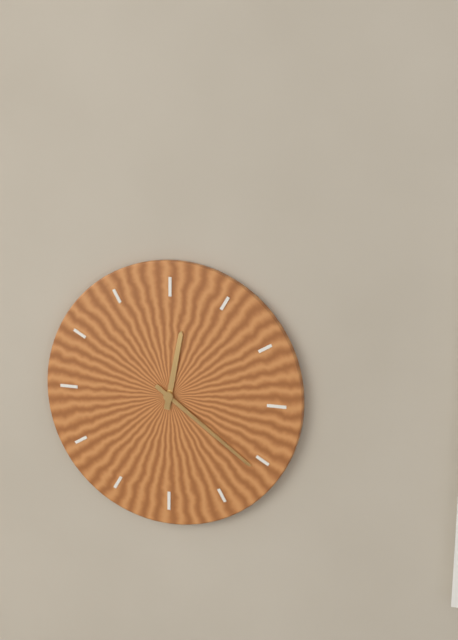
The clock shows {"hour": 12, "minute": 21}
